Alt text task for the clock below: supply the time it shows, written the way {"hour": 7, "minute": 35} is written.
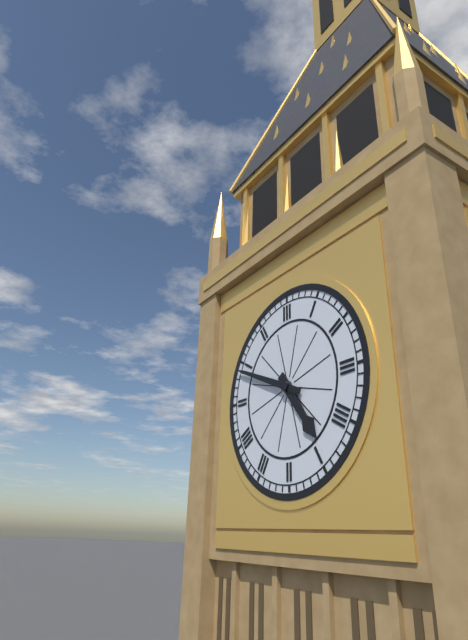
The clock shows {"hour": 4, "minute": 49}
